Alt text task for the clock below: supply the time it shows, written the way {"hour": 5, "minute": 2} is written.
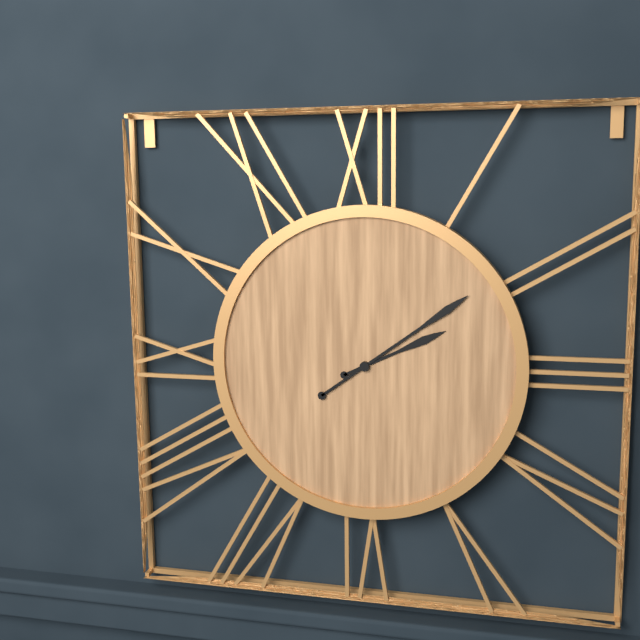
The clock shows {"hour": 2, "minute": 9}
